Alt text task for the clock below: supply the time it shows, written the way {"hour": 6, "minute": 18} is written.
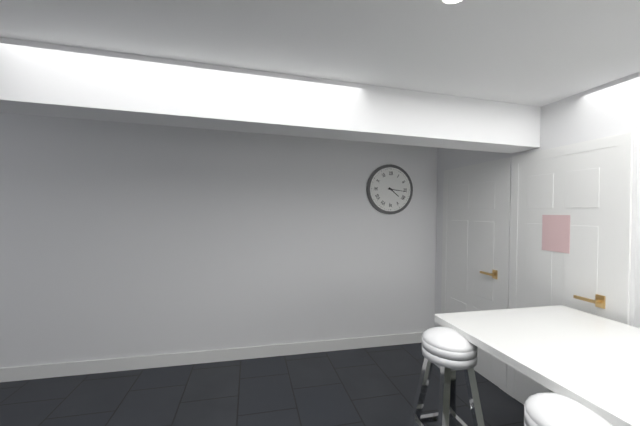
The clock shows {"hour": 4, "minute": 16}
